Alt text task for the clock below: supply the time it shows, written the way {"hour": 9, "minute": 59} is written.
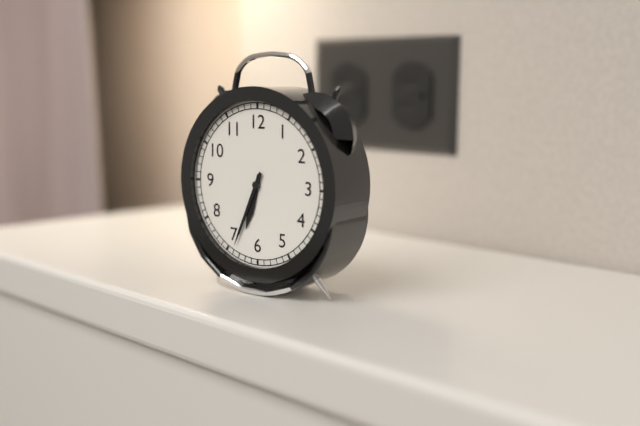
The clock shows {"hour": 6, "minute": 34}
